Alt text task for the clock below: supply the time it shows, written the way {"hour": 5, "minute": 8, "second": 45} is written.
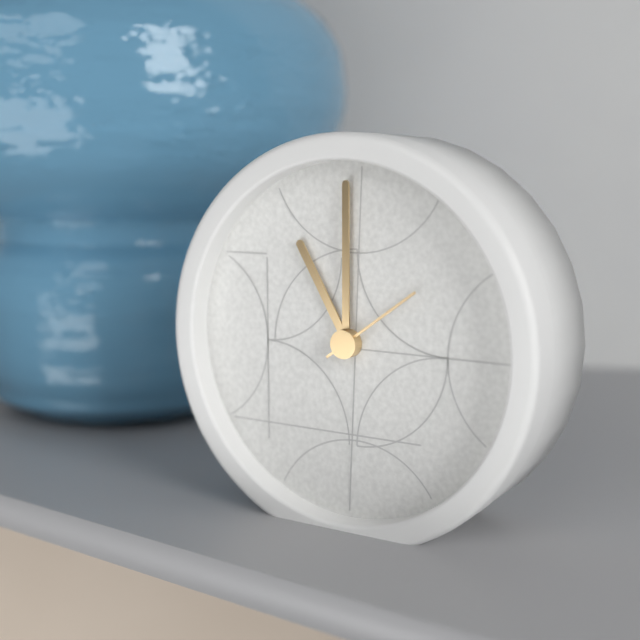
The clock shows {"hour": 11, "minute": 0, "second": 9}
